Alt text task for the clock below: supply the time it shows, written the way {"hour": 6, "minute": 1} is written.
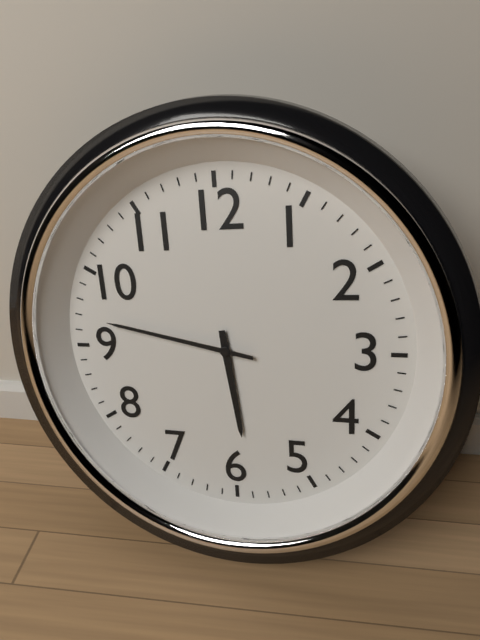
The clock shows {"hour": 5, "minute": 47}
